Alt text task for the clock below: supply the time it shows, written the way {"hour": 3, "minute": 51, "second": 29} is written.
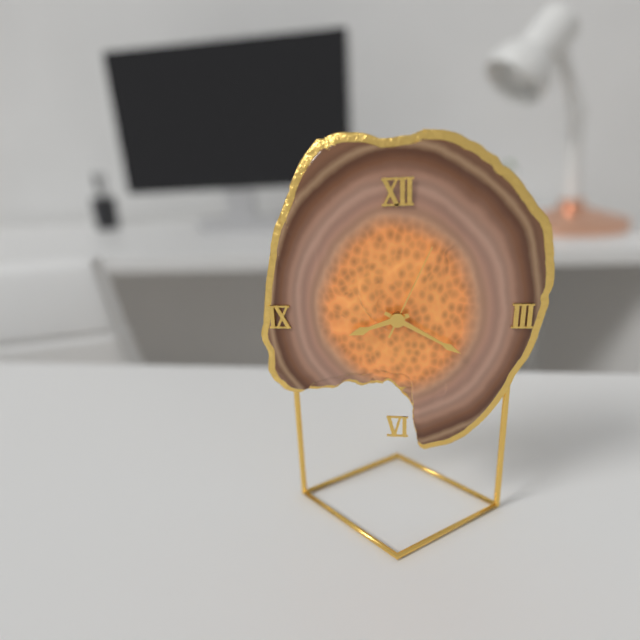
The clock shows {"hour": 8, "minute": 20, "second": 4}
